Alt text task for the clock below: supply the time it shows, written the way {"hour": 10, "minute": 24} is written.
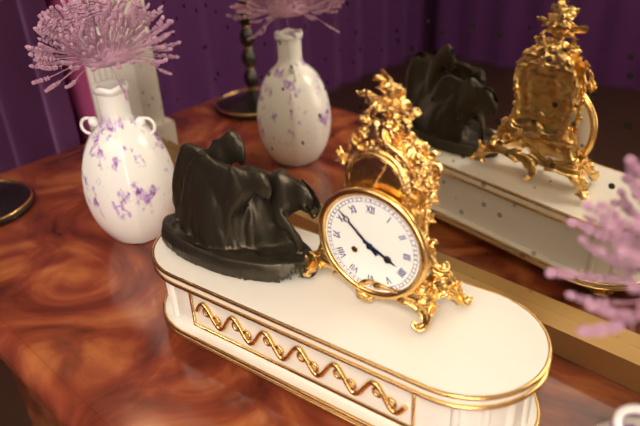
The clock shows {"hour": 3, "minute": 52}
